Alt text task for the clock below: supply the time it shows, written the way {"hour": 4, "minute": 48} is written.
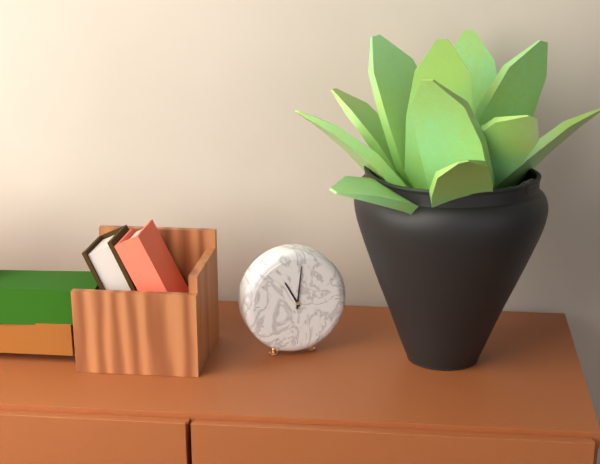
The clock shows {"hour": 11, "minute": 1}
